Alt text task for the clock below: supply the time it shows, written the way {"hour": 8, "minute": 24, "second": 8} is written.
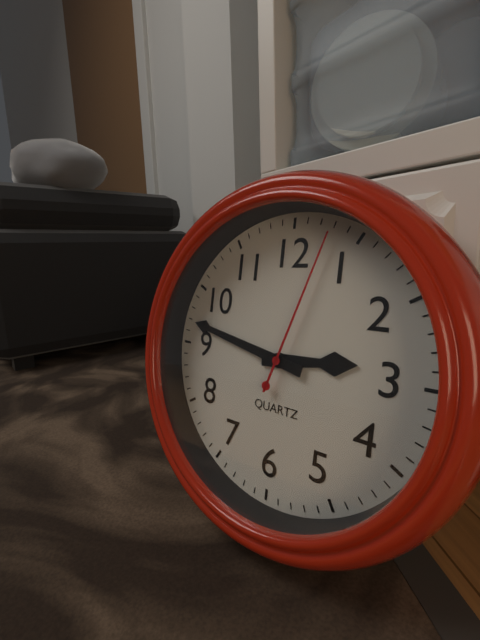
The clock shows {"hour": 2, "minute": 47, "second": 3}
